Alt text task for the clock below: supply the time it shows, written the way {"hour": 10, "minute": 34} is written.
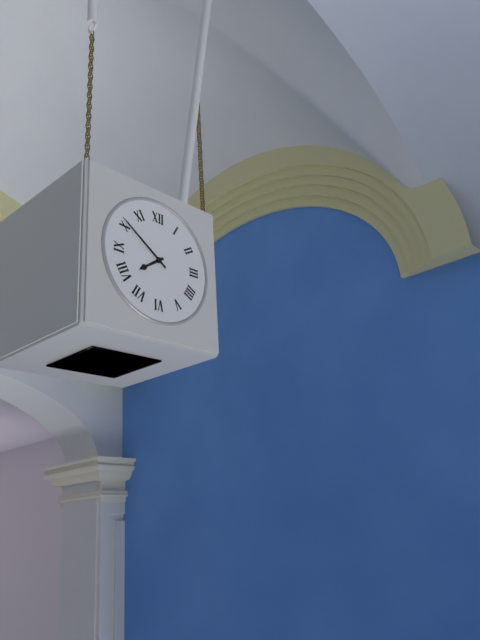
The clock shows {"hour": 7, "minute": 51}
